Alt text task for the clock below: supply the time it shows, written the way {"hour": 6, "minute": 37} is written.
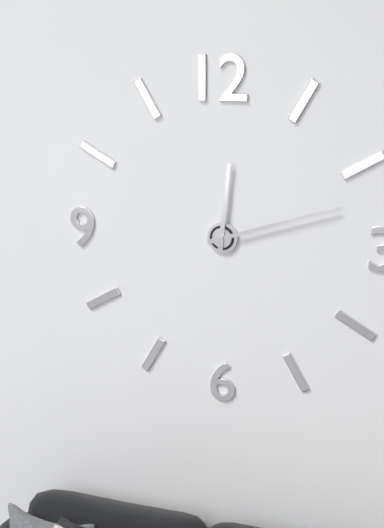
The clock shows {"hour": 12, "minute": 12}
